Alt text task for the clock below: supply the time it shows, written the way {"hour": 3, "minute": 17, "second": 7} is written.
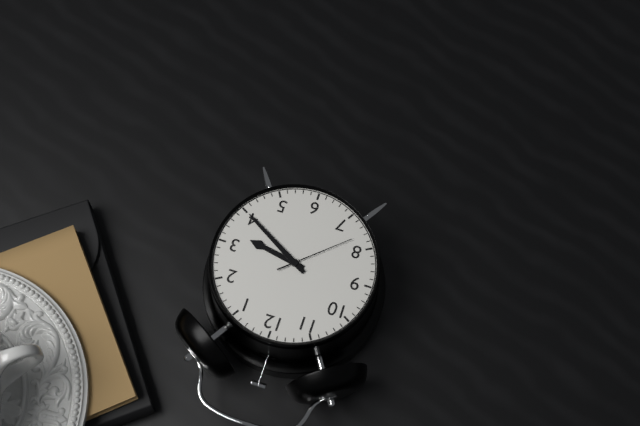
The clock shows {"hour": 3, "minute": 20, "second": 38}
